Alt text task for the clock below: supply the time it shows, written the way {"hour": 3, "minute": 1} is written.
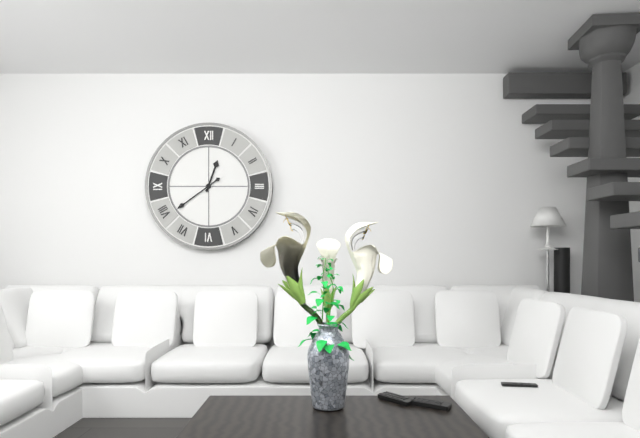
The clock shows {"hour": 12, "minute": 39}
